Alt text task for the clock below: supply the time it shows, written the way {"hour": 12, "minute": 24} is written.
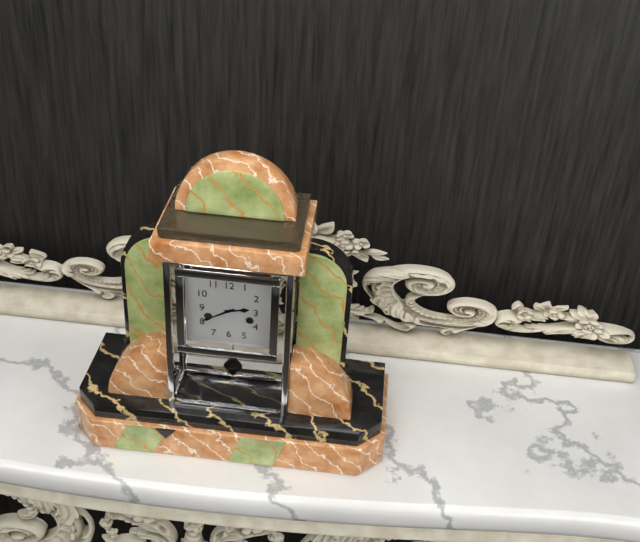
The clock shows {"hour": 2, "minute": 40}
